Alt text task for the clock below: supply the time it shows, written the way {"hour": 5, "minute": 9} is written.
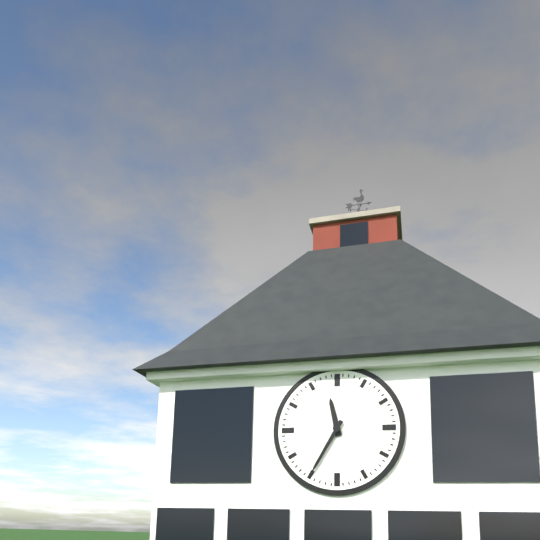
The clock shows {"hour": 11, "minute": 35}
